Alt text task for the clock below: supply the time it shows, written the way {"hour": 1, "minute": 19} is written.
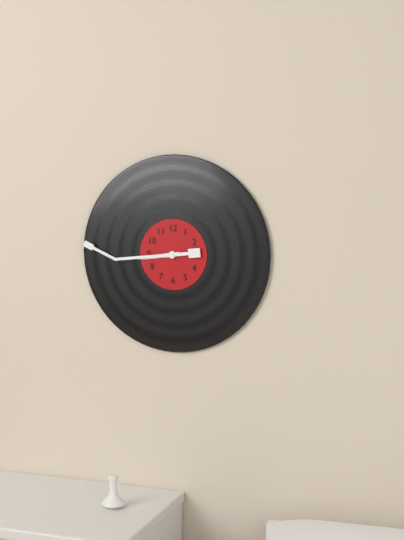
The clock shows {"hour": 8, "minute": 44}
